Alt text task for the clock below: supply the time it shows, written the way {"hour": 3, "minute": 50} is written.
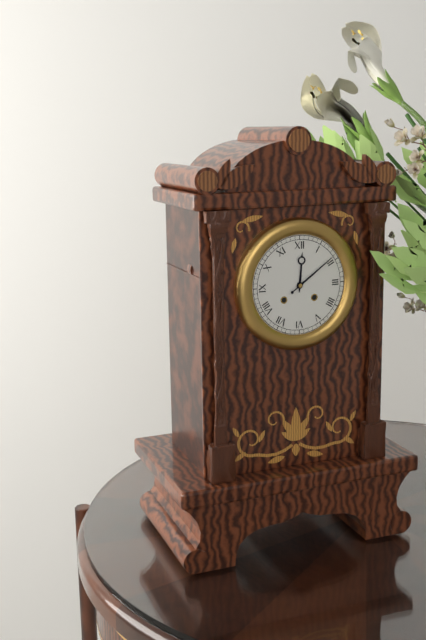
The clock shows {"hour": 12, "minute": 9}
